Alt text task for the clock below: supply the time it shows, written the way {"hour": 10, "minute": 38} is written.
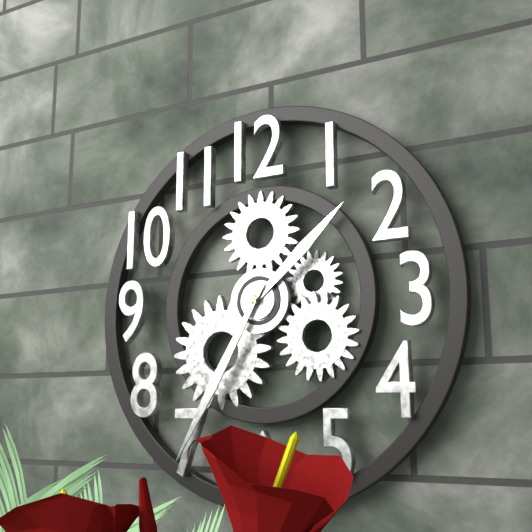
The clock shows {"hour": 1, "minute": 35}
